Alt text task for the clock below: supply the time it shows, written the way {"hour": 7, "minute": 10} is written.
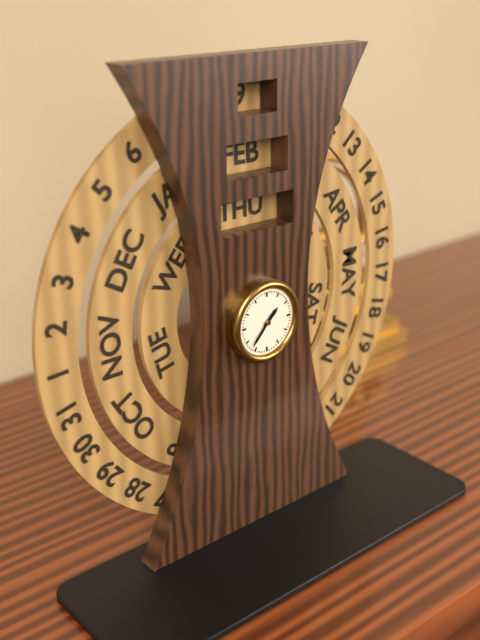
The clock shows {"hour": 1, "minute": 37}
